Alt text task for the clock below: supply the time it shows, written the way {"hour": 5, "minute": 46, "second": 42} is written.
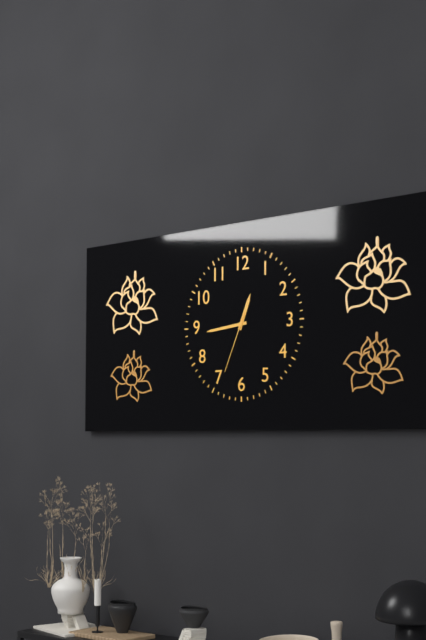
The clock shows {"hour": 12, "minute": 44, "second": 34}
